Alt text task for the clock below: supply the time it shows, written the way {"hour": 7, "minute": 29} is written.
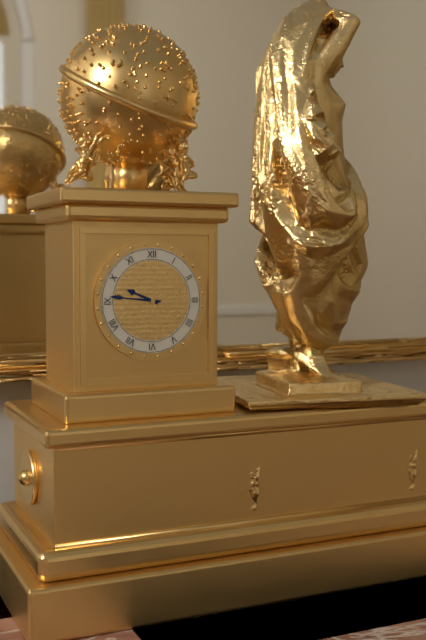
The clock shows {"hour": 9, "minute": 46}
